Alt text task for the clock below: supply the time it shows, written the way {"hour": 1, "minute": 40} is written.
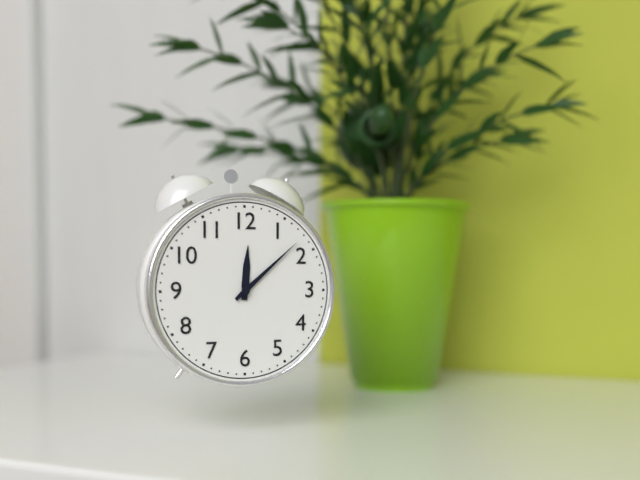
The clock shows {"hour": 12, "minute": 8}
